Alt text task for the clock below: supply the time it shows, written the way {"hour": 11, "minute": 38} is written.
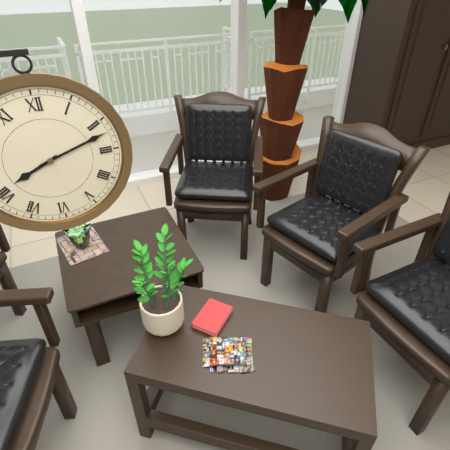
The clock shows {"hour": 8, "minute": 12}
